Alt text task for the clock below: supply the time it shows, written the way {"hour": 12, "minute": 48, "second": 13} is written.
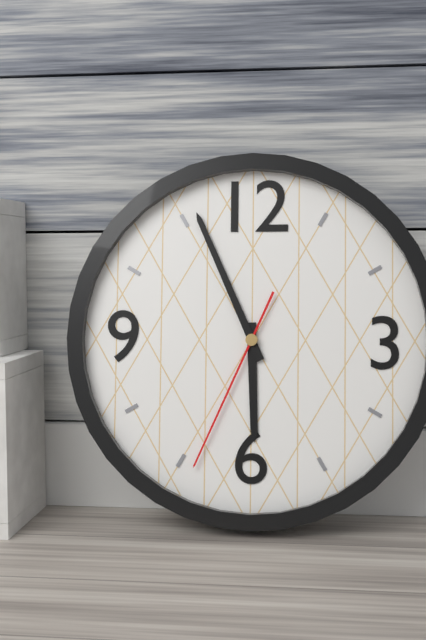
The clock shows {"hour": 5, "minute": 56, "second": 34}
